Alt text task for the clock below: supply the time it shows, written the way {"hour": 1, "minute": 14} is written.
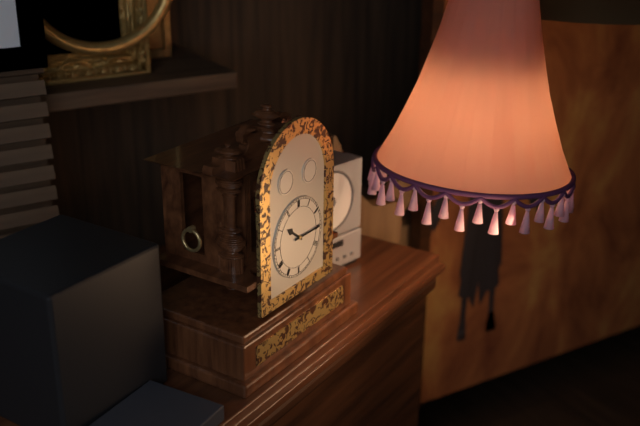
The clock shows {"hour": 10, "minute": 15}
